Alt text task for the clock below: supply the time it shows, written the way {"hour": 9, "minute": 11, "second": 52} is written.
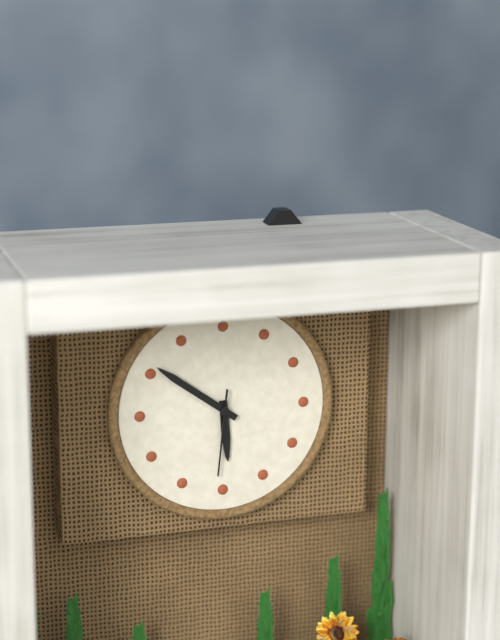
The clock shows {"hour": 5, "minute": 51, "second": 31}
